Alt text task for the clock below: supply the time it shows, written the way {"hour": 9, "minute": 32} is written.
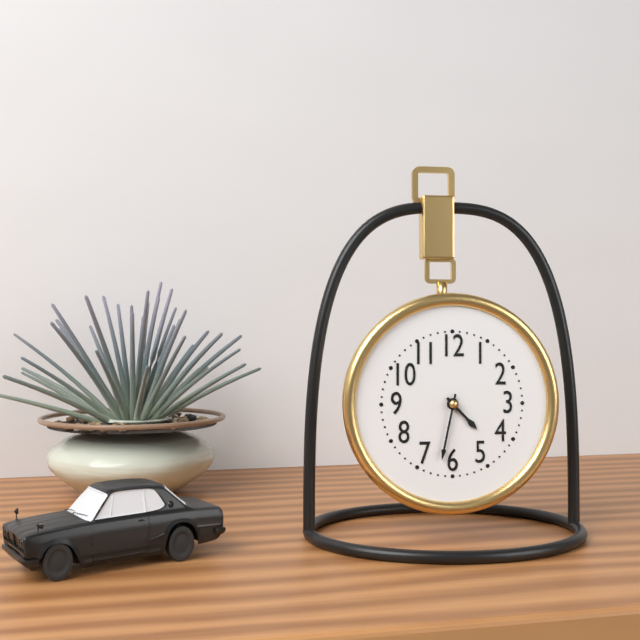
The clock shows {"hour": 4, "minute": 32}
